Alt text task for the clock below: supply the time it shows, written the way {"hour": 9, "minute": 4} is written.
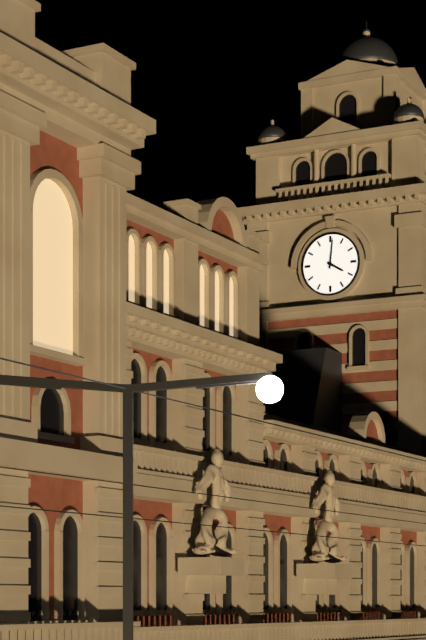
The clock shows {"hour": 4, "minute": 1}
